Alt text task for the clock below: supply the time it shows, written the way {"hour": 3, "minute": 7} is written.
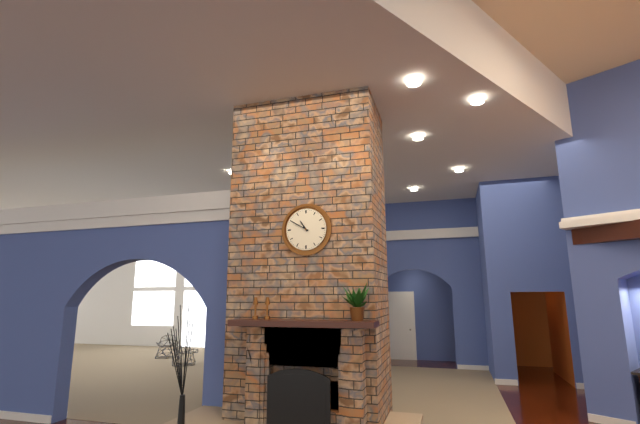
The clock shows {"hour": 10, "minute": 50}
